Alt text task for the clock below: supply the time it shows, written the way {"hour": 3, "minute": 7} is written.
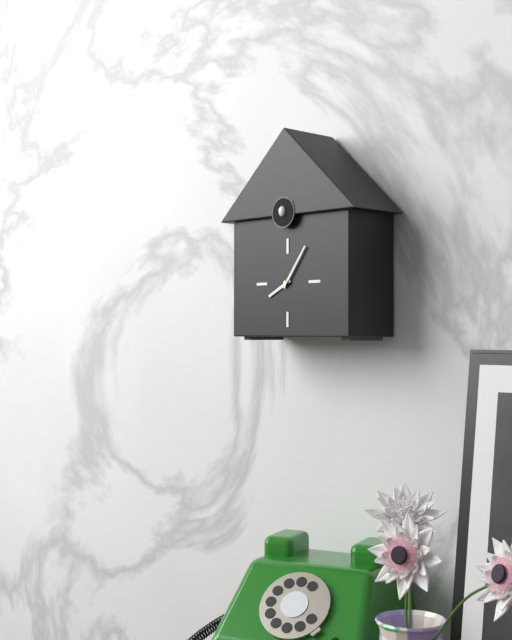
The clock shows {"hour": 8, "minute": 6}
